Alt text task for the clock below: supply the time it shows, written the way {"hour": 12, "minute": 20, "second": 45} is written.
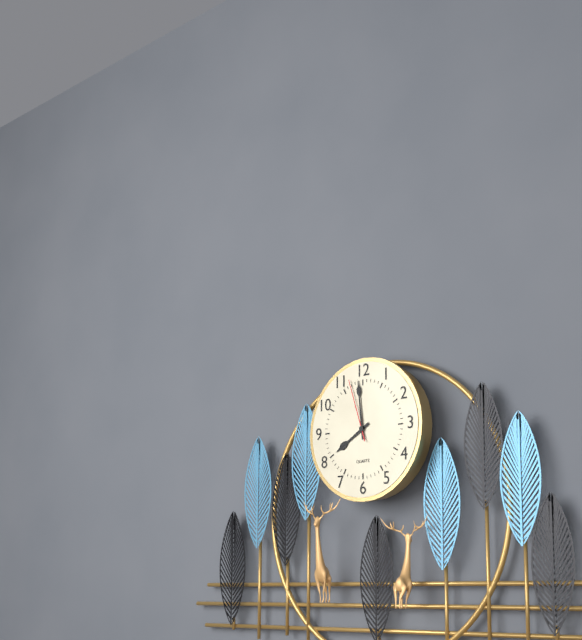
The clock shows {"hour": 7, "minute": 59, "second": 57}
